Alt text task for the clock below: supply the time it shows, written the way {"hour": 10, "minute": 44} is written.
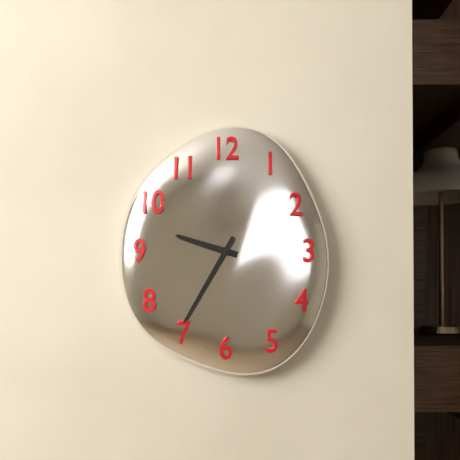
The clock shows {"hour": 9, "minute": 35}
